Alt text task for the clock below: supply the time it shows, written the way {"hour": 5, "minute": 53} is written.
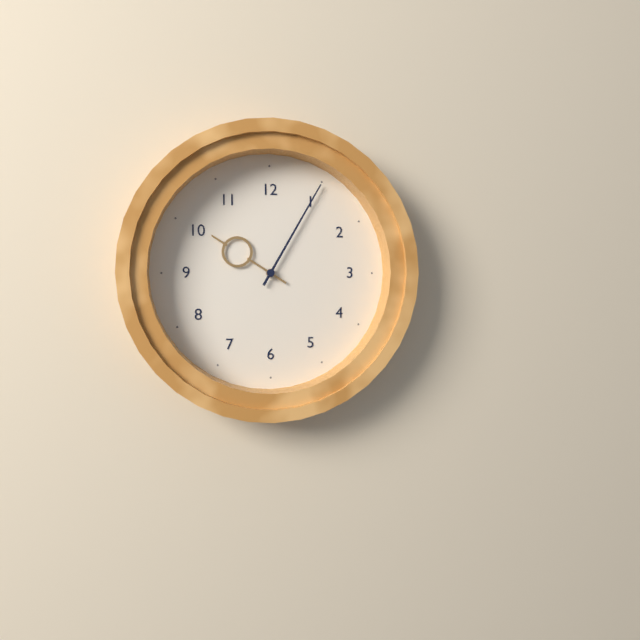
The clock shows {"hour": 10, "minute": 5}
